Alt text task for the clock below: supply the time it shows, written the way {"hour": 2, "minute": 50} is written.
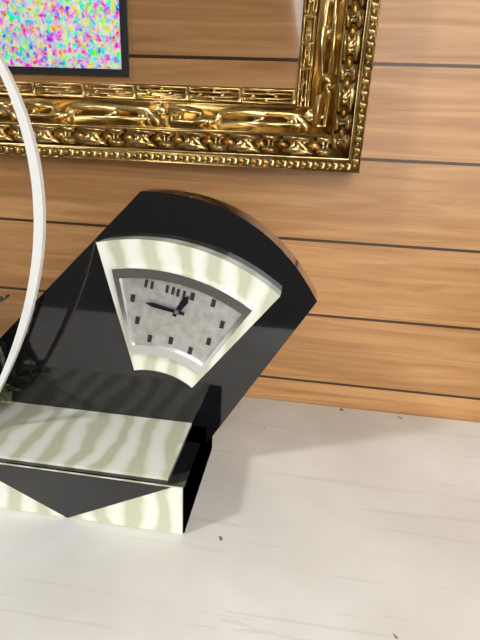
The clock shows {"hour": 12, "minute": 45}
